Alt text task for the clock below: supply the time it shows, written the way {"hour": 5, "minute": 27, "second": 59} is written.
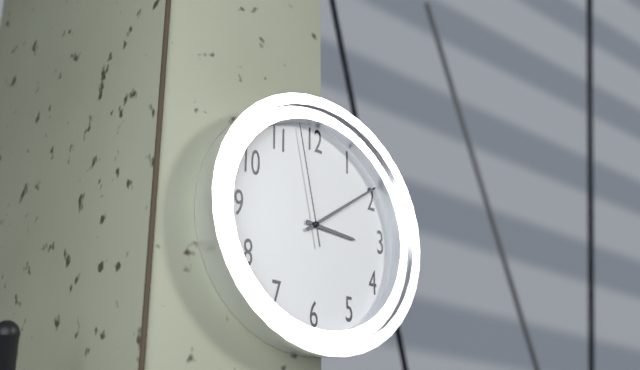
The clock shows {"hour": 3, "minute": 9, "second": 58}
